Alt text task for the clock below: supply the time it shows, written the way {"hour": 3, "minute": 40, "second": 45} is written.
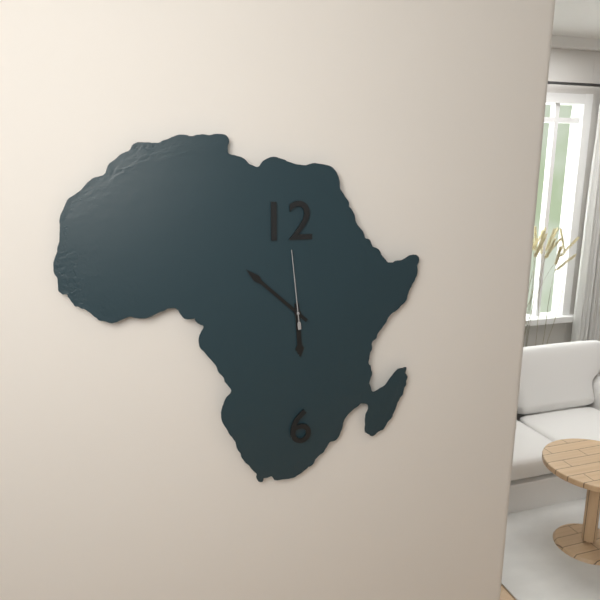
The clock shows {"hour": 5, "minute": 52, "second": 59}
